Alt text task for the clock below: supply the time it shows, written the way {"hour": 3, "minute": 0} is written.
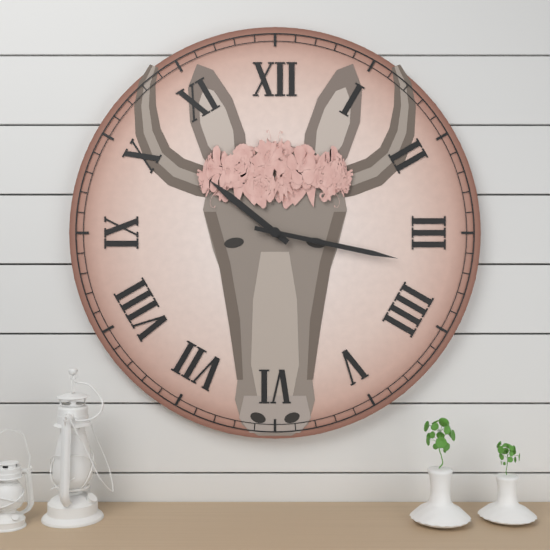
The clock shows {"hour": 10, "minute": 17}
